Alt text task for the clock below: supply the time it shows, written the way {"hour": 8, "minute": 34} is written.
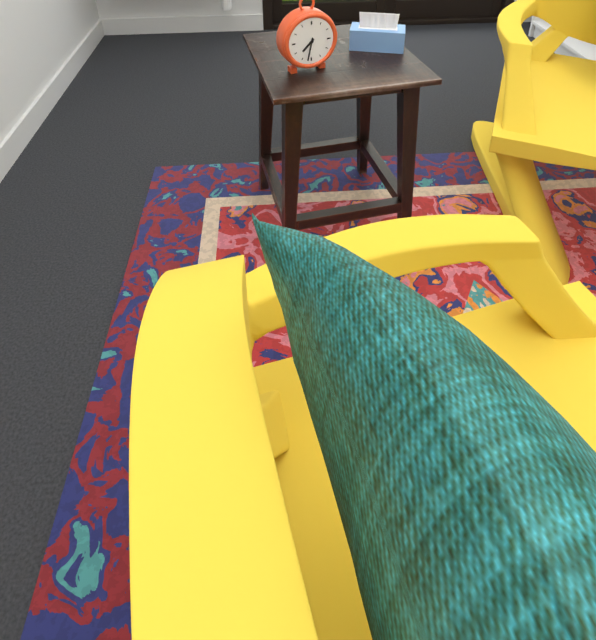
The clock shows {"hour": 7, "minute": 32}
